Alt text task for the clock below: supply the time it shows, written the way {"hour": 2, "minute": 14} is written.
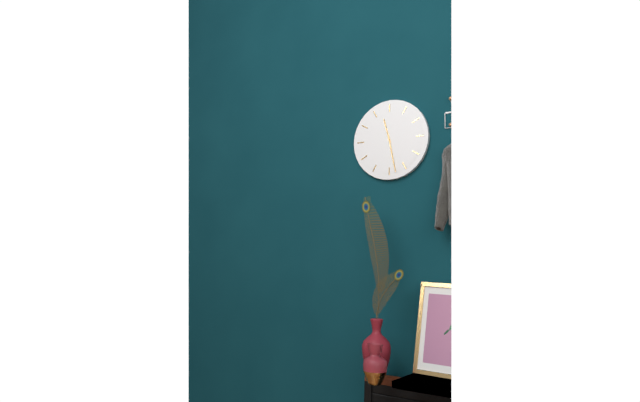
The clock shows {"hour": 11, "minute": 28}
